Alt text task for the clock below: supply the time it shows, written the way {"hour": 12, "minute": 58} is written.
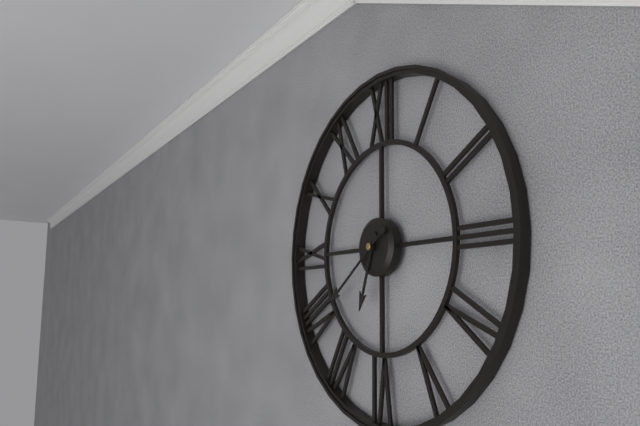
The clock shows {"hour": 6, "minute": 39}
